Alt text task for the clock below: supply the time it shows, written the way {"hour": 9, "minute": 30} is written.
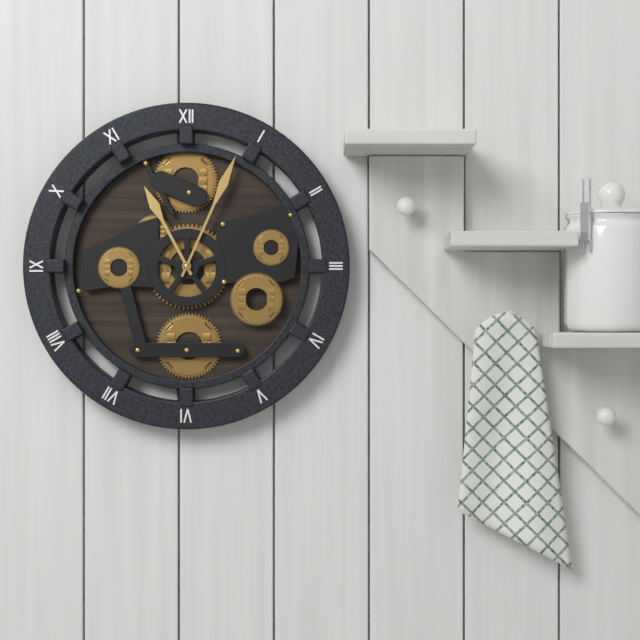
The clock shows {"hour": 11, "minute": 4}
